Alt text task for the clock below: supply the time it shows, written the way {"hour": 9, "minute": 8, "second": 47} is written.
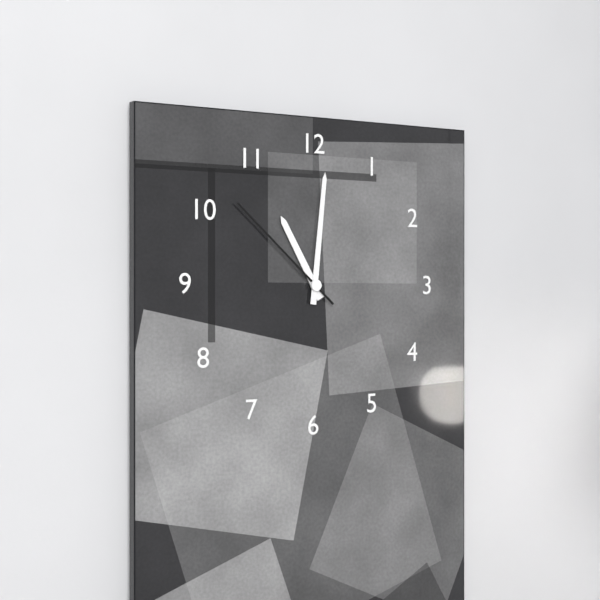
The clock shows {"hour": 11, "minute": 1, "second": 52}
